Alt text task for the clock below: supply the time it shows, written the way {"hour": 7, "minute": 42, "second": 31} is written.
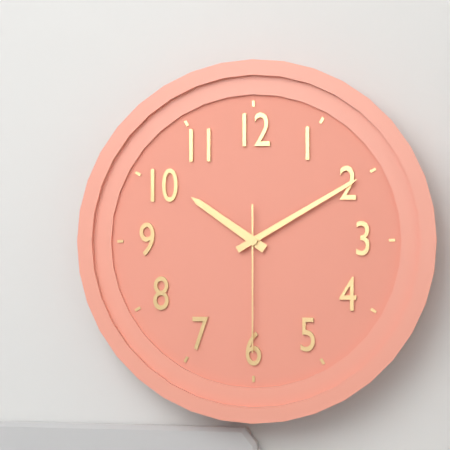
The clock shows {"hour": 10, "minute": 10, "second": 30}
